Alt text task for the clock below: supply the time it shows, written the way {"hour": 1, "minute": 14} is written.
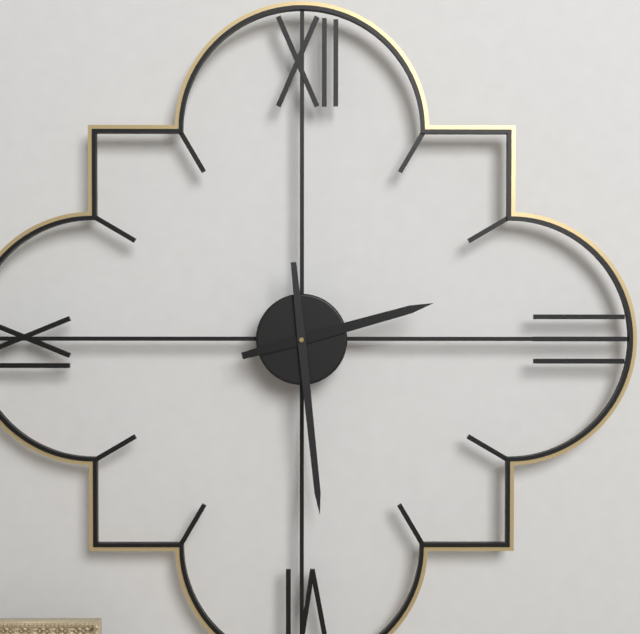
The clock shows {"hour": 2, "minute": 29}
